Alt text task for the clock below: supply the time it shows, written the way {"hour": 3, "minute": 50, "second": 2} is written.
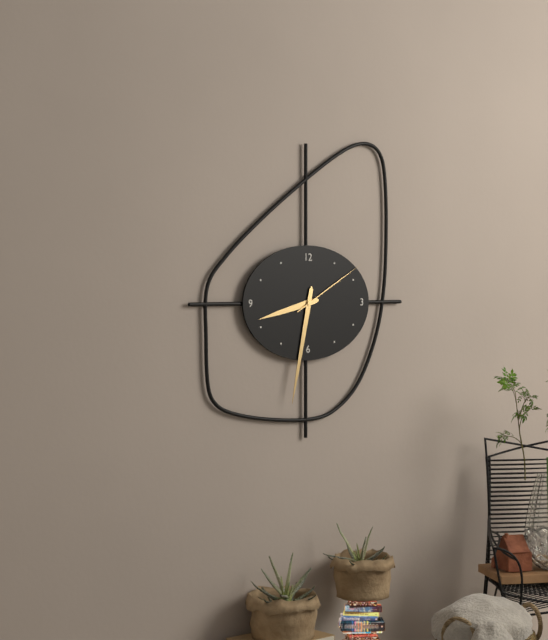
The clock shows {"hour": 8, "minute": 32, "second": 10}
